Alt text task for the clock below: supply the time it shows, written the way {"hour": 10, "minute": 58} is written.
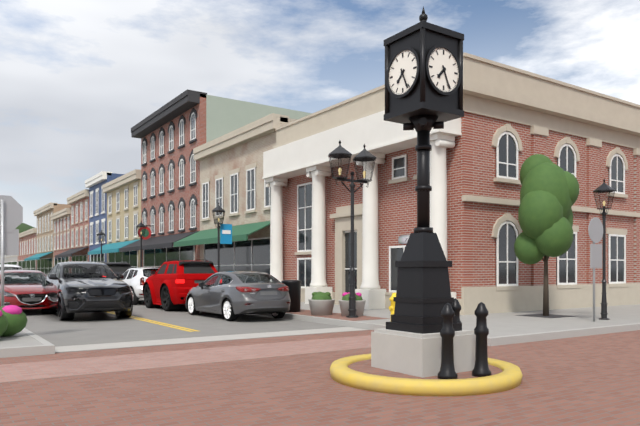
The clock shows {"hour": 7, "minute": 26}
